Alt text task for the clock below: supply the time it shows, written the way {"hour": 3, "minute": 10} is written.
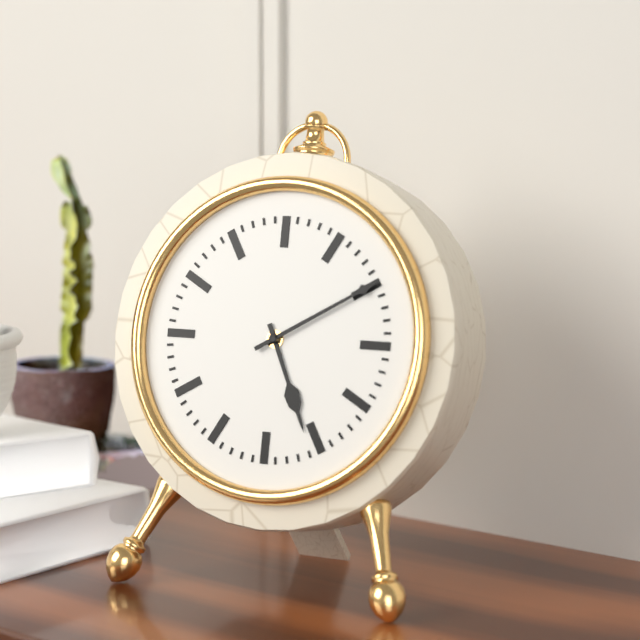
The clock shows {"hour": 5, "minute": 10}
